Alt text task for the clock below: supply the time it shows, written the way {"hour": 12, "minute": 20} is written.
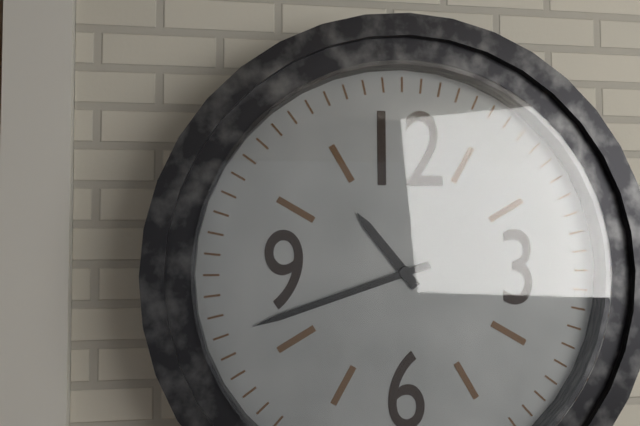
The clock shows {"hour": 10, "minute": 42}
